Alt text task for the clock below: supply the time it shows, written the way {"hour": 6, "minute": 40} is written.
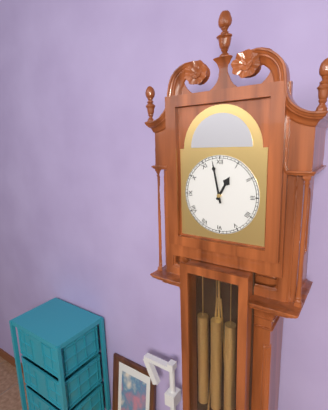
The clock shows {"hour": 12, "minute": 58}
